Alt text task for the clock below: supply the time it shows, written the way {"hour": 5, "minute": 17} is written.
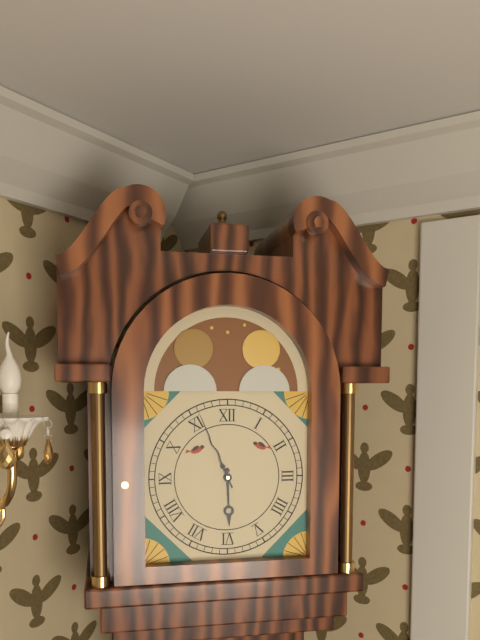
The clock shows {"hour": 5, "minute": 56}
